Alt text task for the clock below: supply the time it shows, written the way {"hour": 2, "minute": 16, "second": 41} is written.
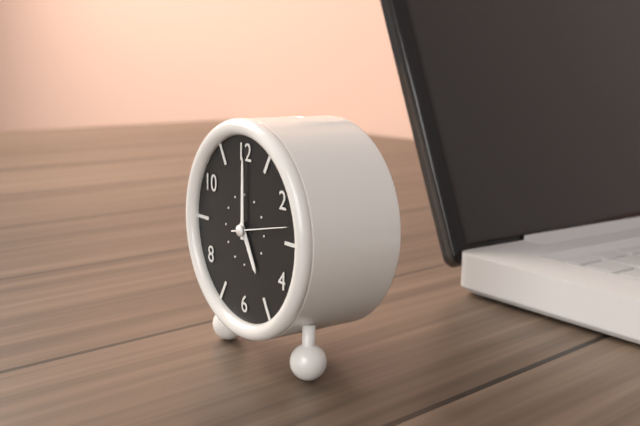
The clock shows {"hour": 5, "minute": 0, "second": 13}
